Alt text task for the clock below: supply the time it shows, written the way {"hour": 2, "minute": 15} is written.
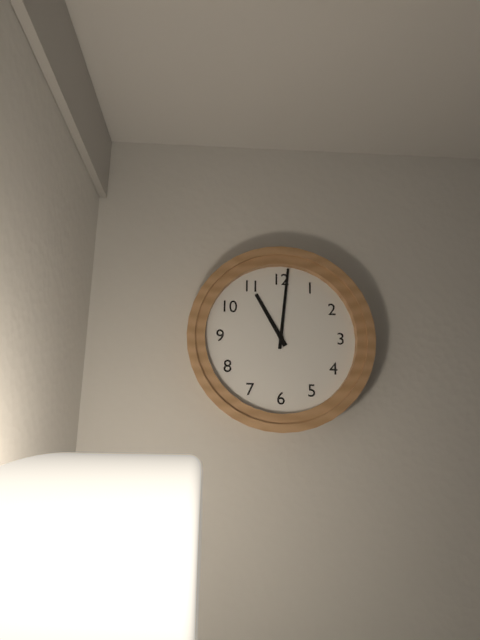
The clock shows {"hour": 11, "minute": 1}
